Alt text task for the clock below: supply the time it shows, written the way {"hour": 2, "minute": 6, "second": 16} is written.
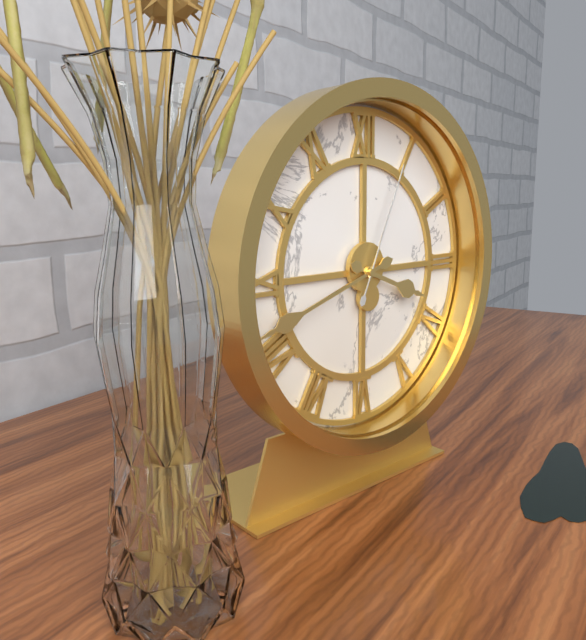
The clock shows {"hour": 3, "minute": 42, "second": 4}
